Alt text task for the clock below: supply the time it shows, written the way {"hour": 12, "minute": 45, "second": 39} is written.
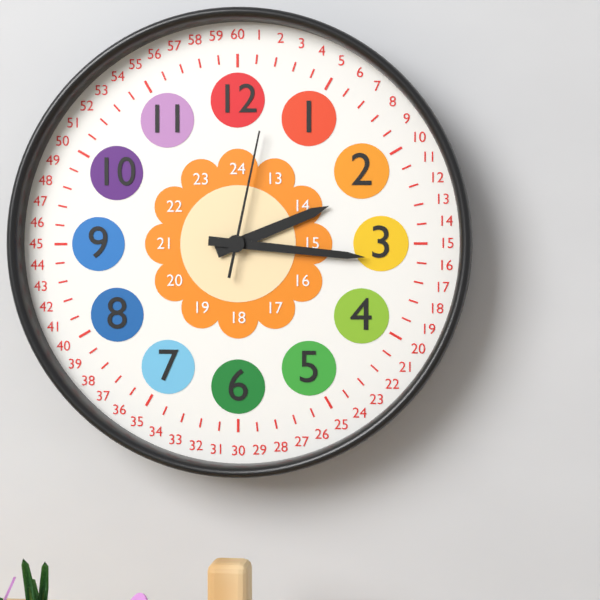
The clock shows {"hour": 2, "minute": 16, "second": 2}
